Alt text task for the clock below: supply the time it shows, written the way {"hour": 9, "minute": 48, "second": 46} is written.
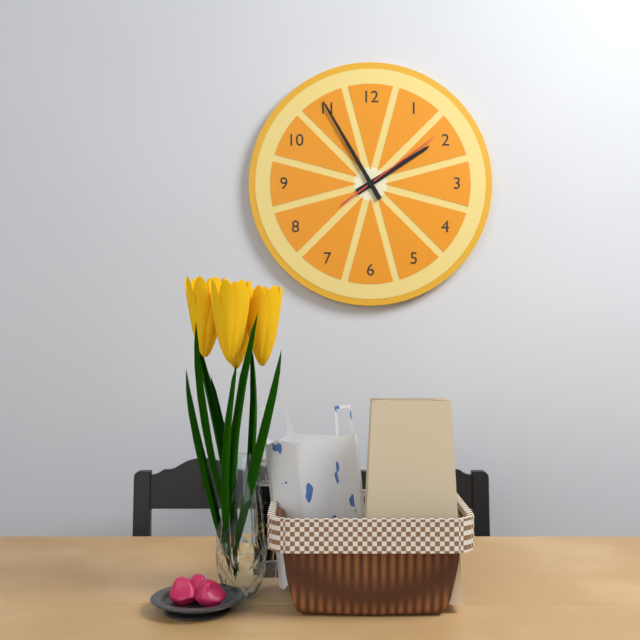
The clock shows {"hour": 1, "minute": 55, "second": 9}
